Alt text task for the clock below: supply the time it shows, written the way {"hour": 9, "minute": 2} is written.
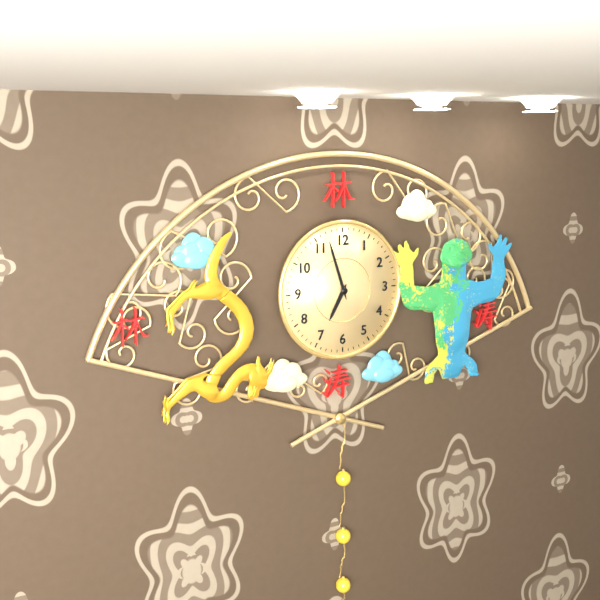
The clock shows {"hour": 6, "minute": 57}
